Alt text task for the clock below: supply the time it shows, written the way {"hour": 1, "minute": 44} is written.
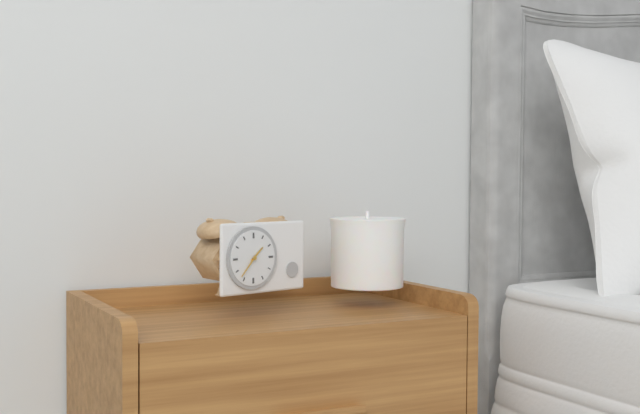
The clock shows {"hour": 1, "minute": 37}
